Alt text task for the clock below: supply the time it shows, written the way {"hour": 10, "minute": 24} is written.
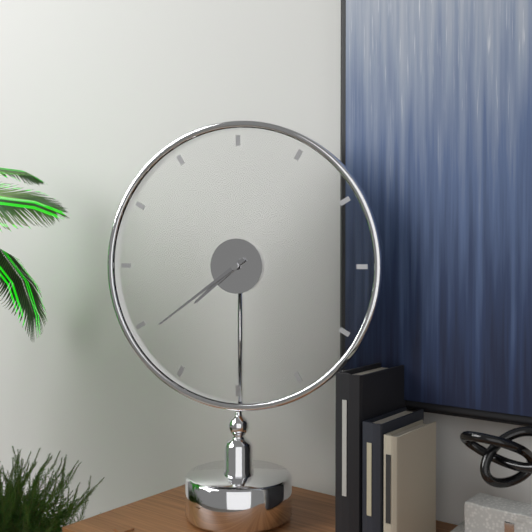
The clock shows {"hour": 7, "minute": 39}
